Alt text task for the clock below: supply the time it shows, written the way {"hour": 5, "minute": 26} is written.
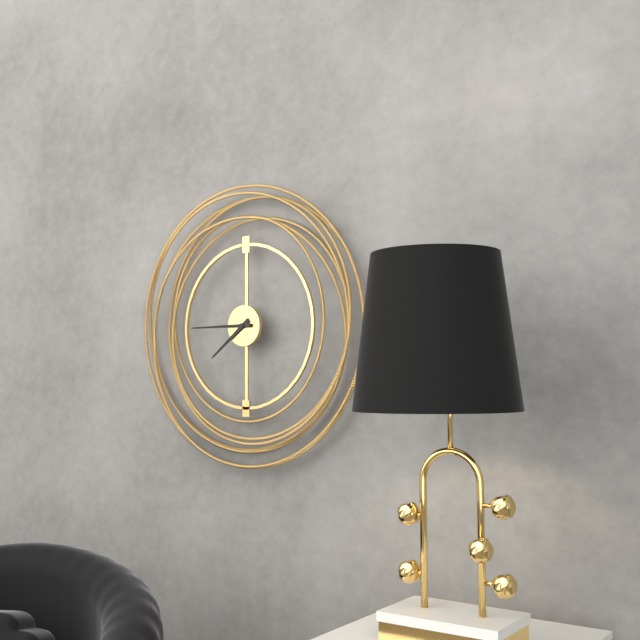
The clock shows {"hour": 7, "minute": 45}
